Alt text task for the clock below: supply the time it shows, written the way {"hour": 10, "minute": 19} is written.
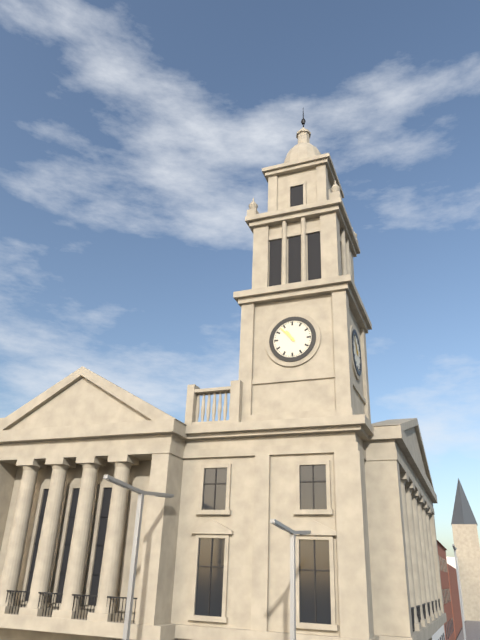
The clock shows {"hour": 10, "minute": 53}
